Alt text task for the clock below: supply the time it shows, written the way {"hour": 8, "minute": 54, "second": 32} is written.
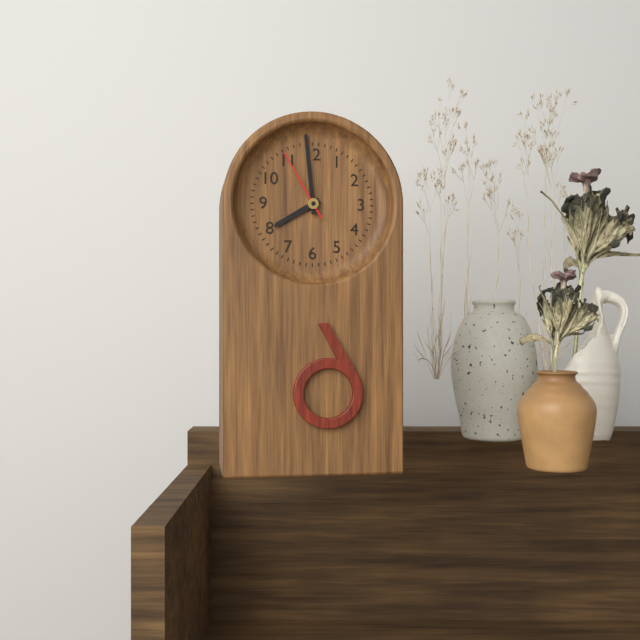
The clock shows {"hour": 7, "minute": 59, "second": 55}
